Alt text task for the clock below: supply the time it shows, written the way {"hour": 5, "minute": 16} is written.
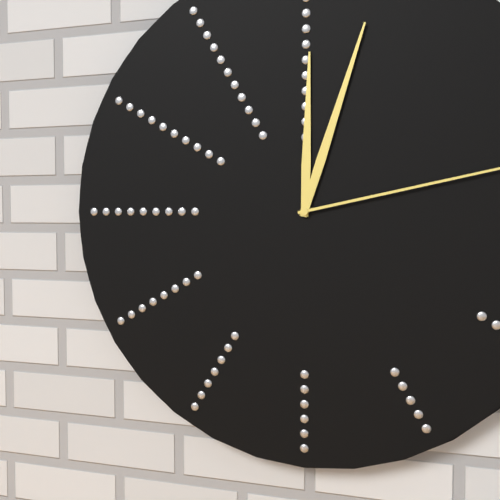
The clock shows {"hour": 12, "minute": 3}
